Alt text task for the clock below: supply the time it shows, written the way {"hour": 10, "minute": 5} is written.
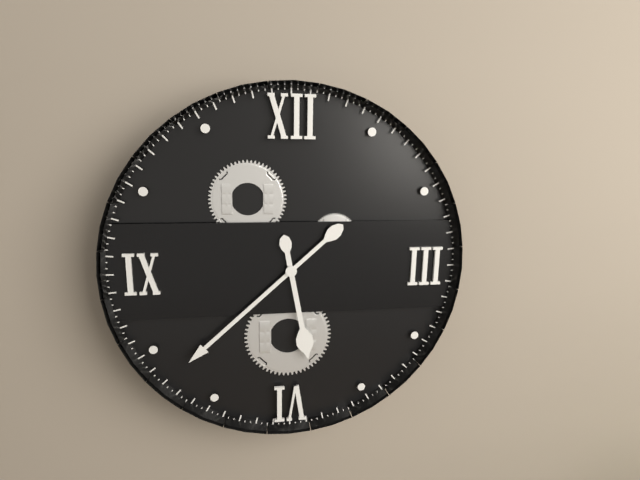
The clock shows {"hour": 5, "minute": 38}
